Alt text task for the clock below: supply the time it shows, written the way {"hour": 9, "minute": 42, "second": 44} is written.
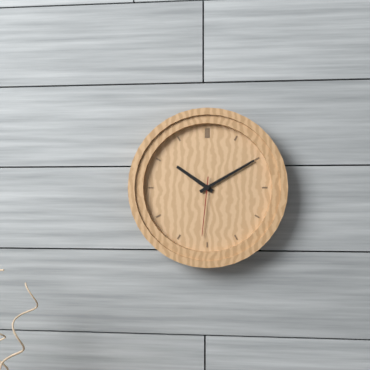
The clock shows {"hour": 10, "minute": 10, "second": 31}
